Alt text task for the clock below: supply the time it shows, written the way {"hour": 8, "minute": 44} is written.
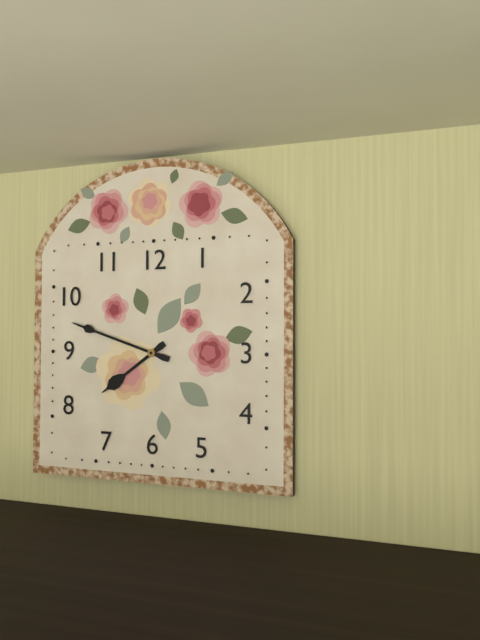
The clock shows {"hour": 7, "minute": 48}
